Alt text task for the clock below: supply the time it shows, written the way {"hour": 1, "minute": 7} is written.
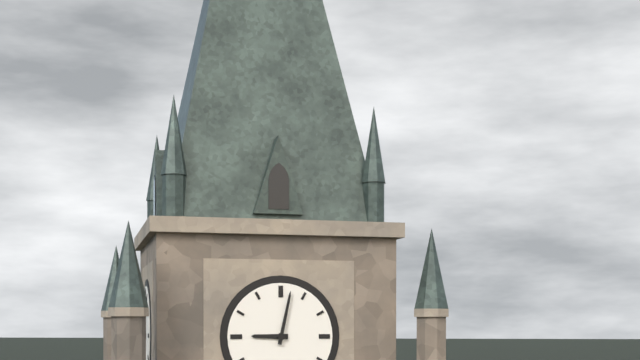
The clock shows {"hour": 9, "minute": 2}
